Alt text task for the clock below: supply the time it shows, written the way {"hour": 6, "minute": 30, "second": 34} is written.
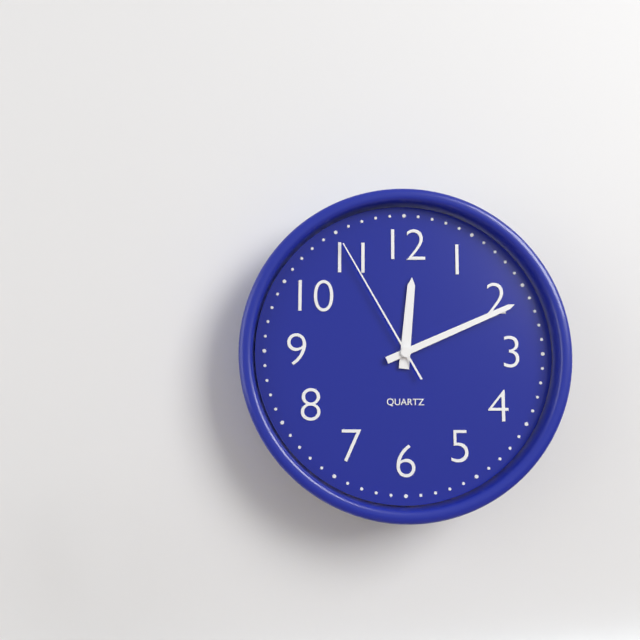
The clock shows {"hour": 12, "minute": 11, "second": 55}
